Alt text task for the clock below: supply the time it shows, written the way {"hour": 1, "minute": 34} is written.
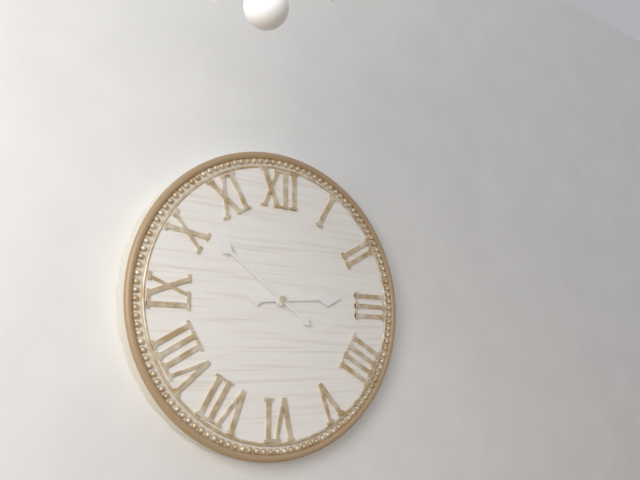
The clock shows {"hour": 2, "minute": 51}
